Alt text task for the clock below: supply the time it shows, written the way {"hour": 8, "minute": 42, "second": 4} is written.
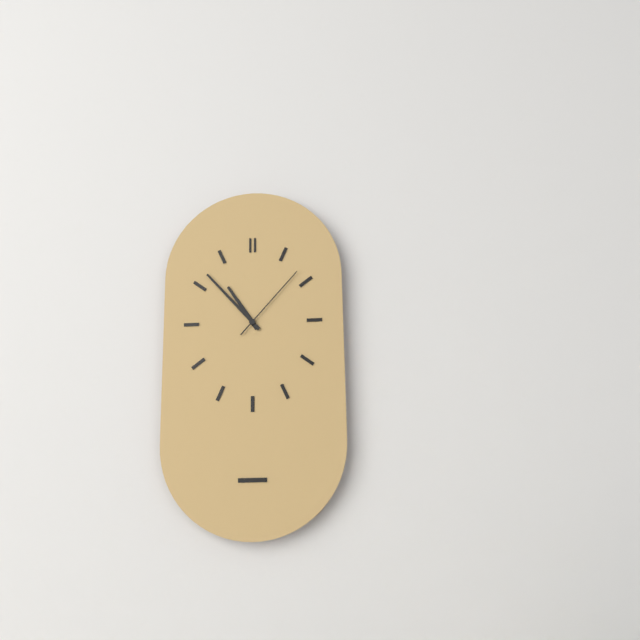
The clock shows {"hour": 10, "minute": 53, "second": 7}
